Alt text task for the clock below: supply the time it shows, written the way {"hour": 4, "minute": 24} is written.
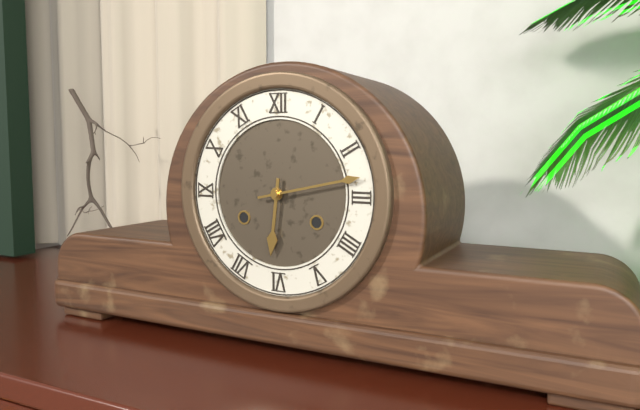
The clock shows {"hour": 6, "minute": 13}
